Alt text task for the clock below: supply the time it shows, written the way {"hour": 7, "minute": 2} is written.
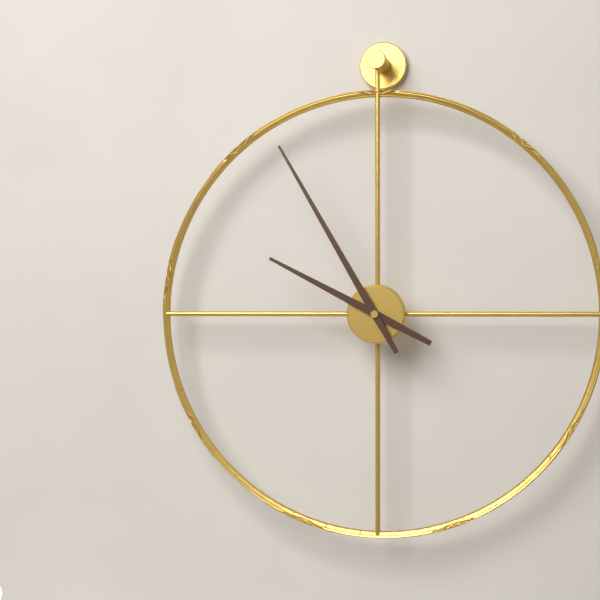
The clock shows {"hour": 9, "minute": 55}
